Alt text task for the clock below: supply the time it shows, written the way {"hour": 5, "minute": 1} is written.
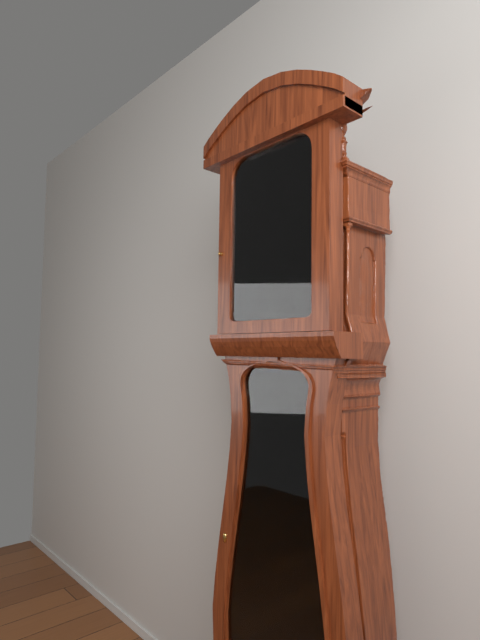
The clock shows {"hour": 10, "minute": 25}
